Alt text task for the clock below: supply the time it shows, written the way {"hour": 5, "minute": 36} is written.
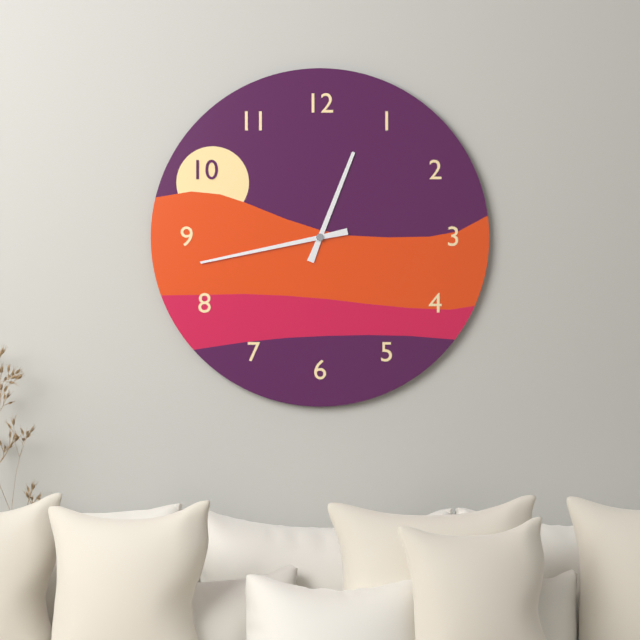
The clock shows {"hour": 12, "minute": 43}
